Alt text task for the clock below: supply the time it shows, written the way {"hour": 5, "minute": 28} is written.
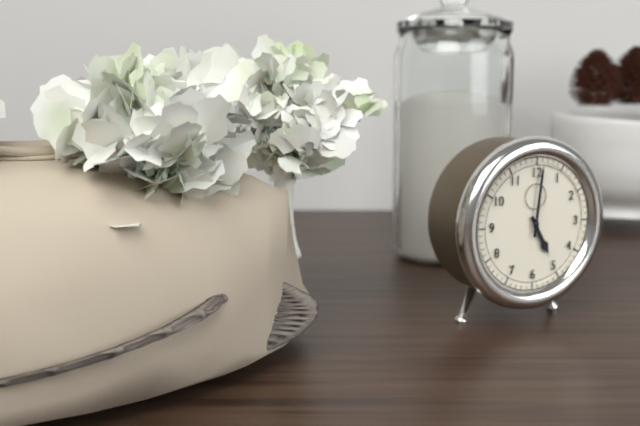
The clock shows {"hour": 5, "minute": 1}
